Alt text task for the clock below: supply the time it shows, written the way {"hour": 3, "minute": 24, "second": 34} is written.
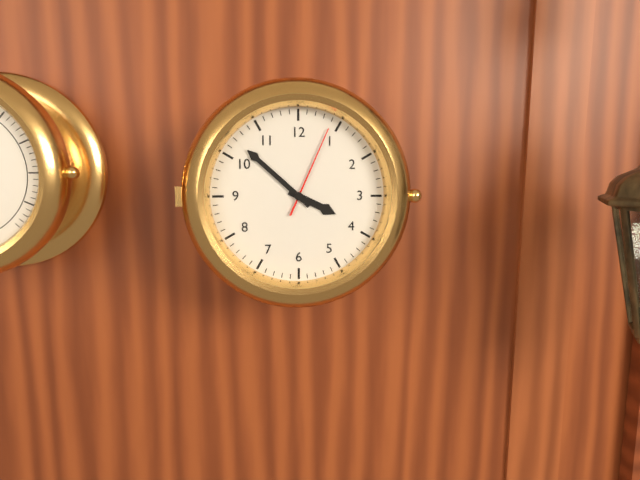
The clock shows {"hour": 3, "minute": 52, "second": 4}
